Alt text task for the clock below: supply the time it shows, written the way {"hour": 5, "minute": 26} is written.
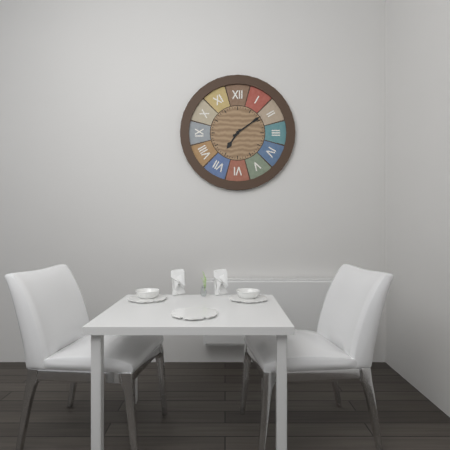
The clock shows {"hour": 7, "minute": 9}
